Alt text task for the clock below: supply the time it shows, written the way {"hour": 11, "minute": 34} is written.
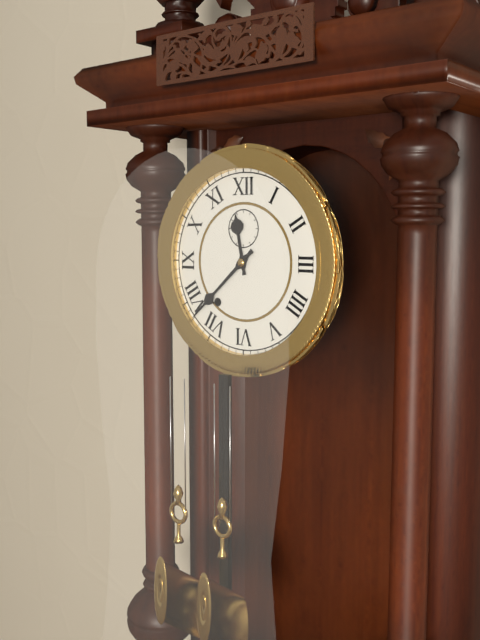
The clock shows {"hour": 11, "minute": 38}
